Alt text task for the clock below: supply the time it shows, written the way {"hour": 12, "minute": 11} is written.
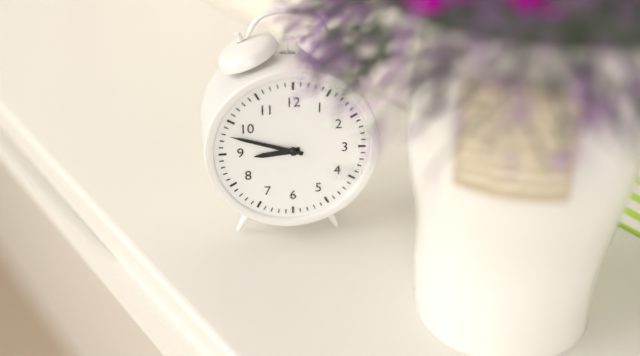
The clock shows {"hour": 8, "minute": 48}
